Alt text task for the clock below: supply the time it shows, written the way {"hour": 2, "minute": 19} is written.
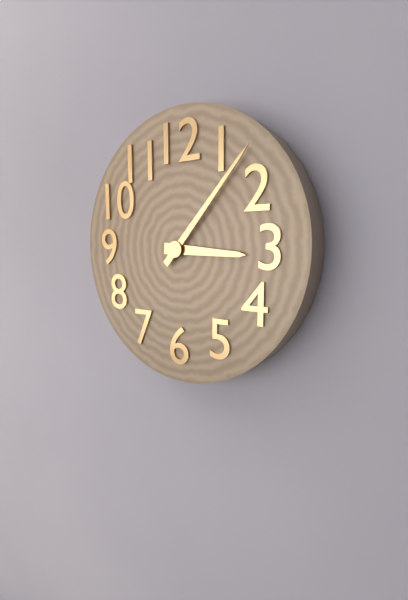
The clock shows {"hour": 3, "minute": 7}
